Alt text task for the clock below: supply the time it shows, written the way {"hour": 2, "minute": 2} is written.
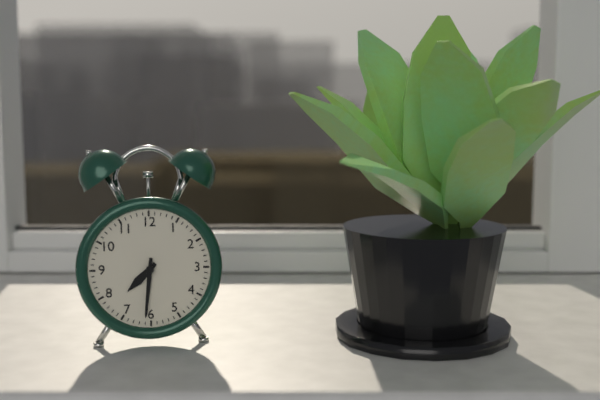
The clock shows {"hour": 7, "minute": 31}
